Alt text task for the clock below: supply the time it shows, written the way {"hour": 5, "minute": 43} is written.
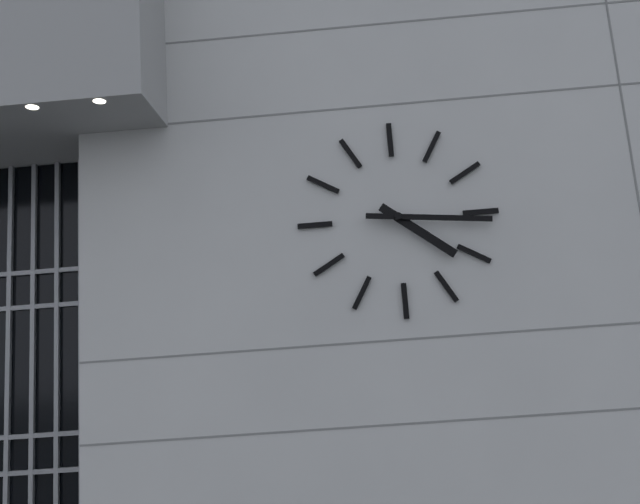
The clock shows {"hour": 4, "minute": 16}
